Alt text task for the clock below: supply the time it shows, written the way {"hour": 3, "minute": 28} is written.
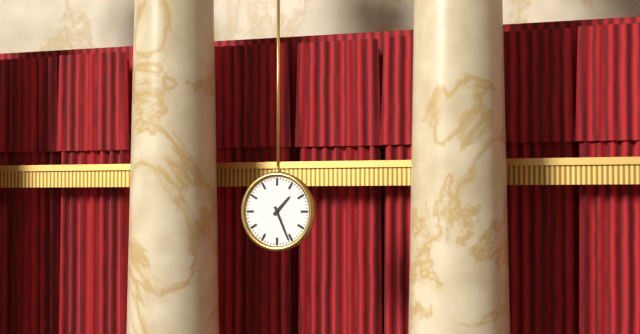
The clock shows {"hour": 1, "minute": 26}
